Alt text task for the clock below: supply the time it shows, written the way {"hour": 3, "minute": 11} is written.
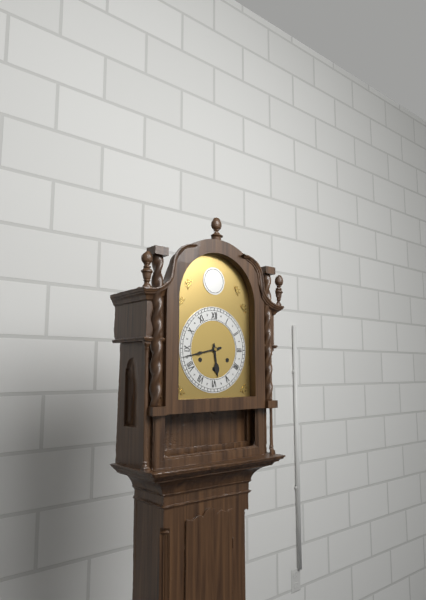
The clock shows {"hour": 5, "minute": 43}
